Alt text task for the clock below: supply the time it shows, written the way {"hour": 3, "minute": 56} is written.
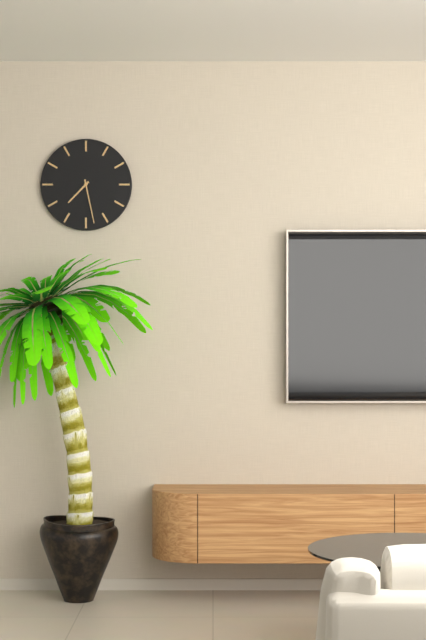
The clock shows {"hour": 7, "minute": 28}
